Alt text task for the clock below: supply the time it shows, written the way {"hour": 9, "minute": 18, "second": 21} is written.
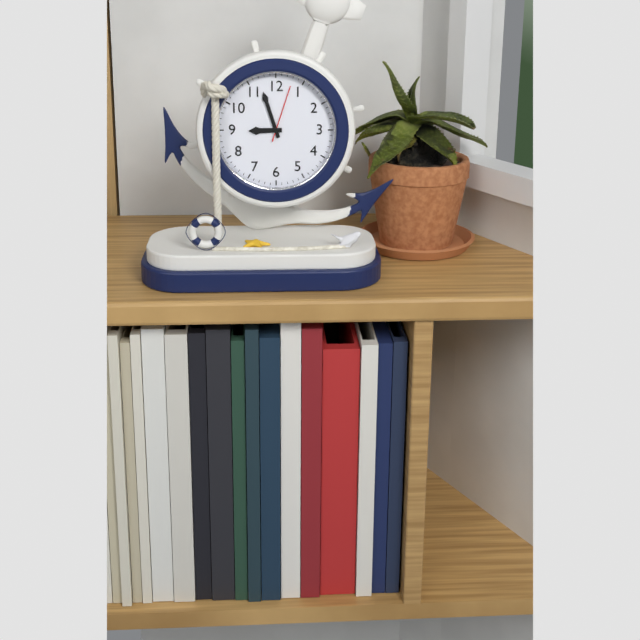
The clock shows {"hour": 8, "minute": 57, "second": 3}
